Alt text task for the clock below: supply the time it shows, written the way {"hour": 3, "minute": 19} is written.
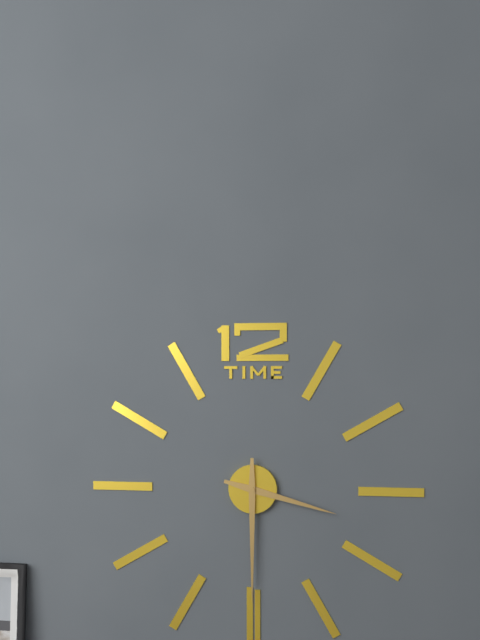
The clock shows {"hour": 3, "minute": 30}
